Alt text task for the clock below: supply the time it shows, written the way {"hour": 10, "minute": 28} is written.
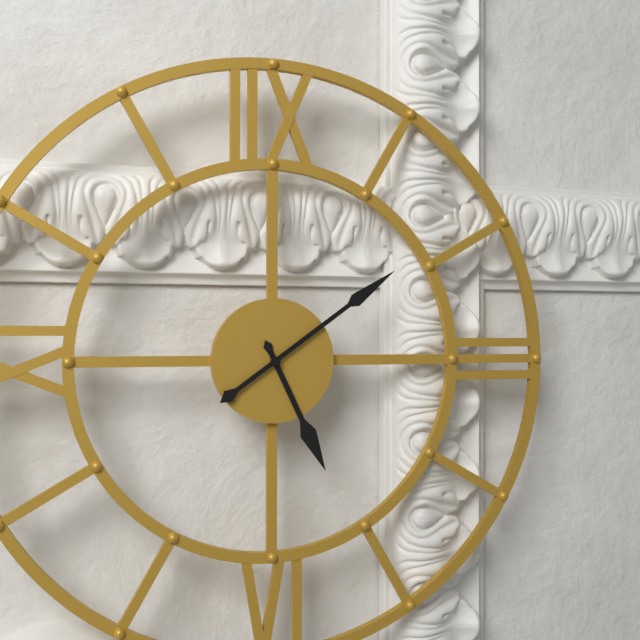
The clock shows {"hour": 5, "minute": 9}
